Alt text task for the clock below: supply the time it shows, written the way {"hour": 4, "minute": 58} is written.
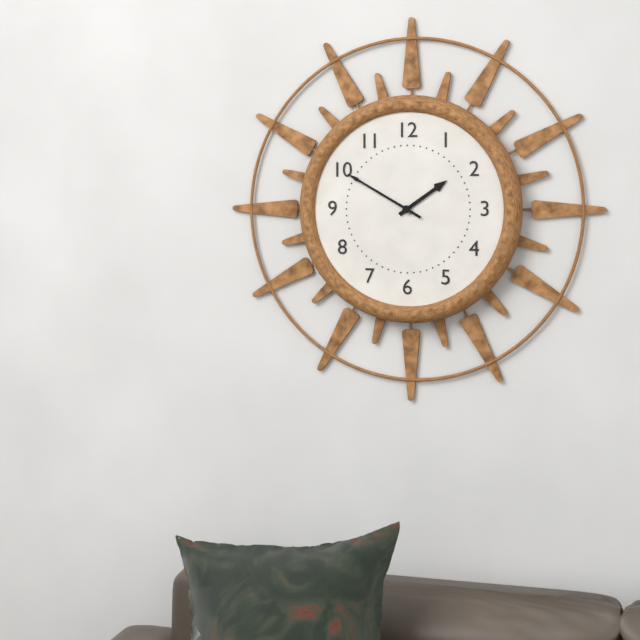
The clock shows {"hour": 1, "minute": 50}
